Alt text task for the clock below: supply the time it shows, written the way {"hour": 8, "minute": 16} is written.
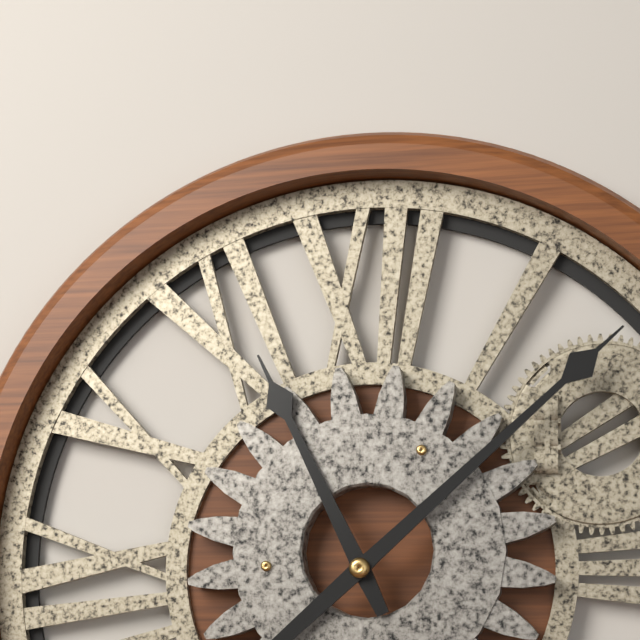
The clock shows {"hour": 11, "minute": 8}
